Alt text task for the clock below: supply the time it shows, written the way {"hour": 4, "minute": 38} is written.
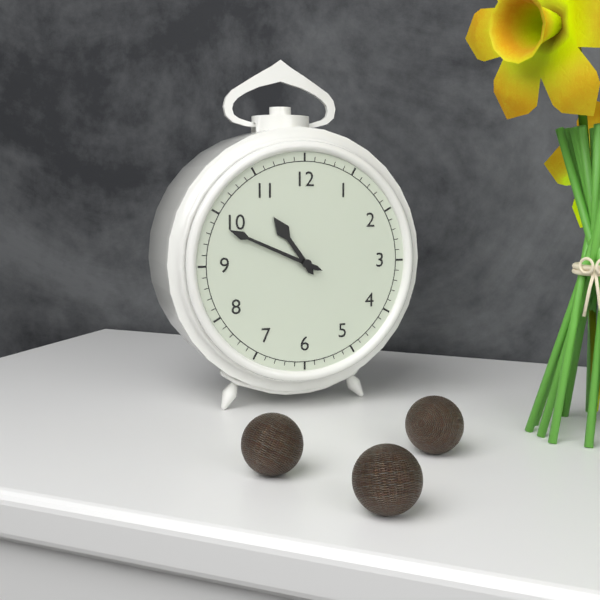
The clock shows {"hour": 10, "minute": 49}
